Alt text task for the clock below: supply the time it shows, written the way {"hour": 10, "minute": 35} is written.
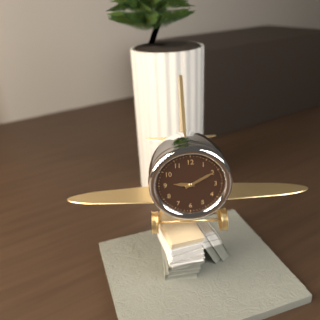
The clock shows {"hour": 9, "minute": 10}
